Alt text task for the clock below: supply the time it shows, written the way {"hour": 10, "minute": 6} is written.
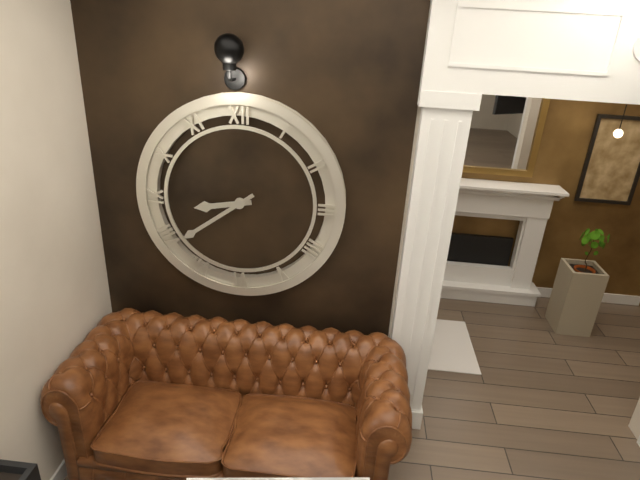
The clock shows {"hour": 8, "minute": 39}
